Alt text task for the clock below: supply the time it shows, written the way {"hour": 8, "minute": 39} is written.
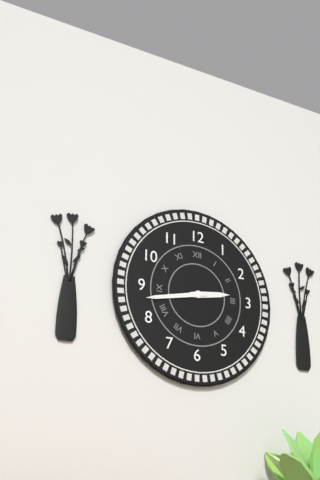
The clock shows {"hour": 2, "minute": 43}
